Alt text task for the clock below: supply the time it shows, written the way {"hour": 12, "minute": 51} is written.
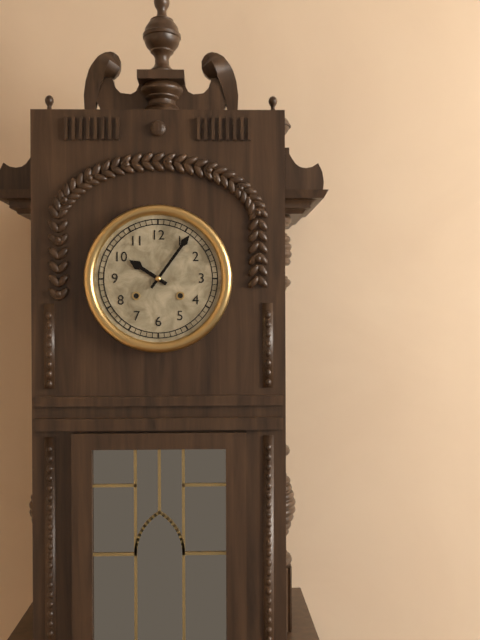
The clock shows {"hour": 10, "minute": 6}
